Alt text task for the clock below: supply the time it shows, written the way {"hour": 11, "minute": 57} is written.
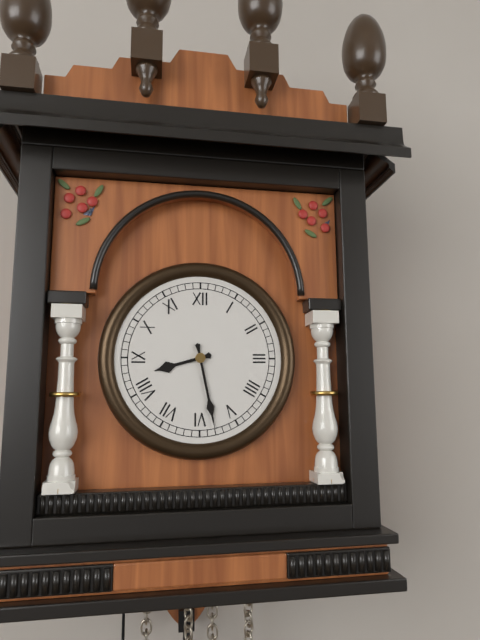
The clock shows {"hour": 8, "minute": 28}
